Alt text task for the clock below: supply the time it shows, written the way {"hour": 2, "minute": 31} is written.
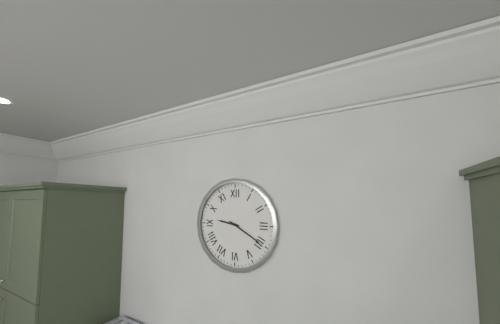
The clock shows {"hour": 9, "minute": 20}
